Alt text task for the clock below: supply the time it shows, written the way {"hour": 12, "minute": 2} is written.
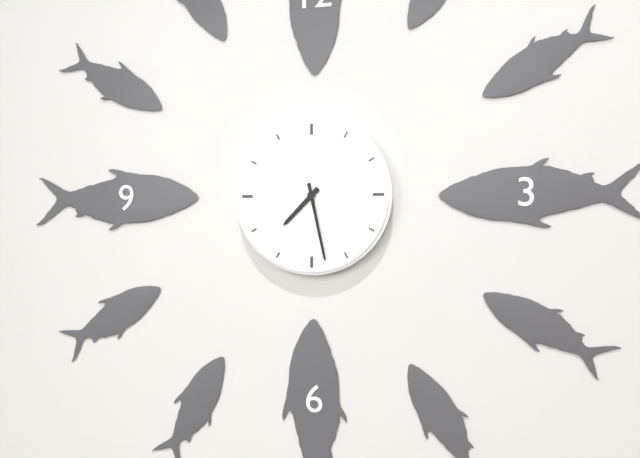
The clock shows {"hour": 7, "minute": 28}
